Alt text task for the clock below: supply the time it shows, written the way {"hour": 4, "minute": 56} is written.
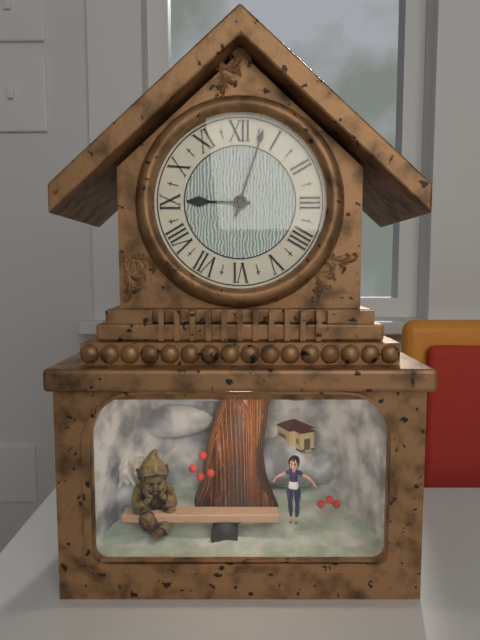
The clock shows {"hour": 9, "minute": 3}
